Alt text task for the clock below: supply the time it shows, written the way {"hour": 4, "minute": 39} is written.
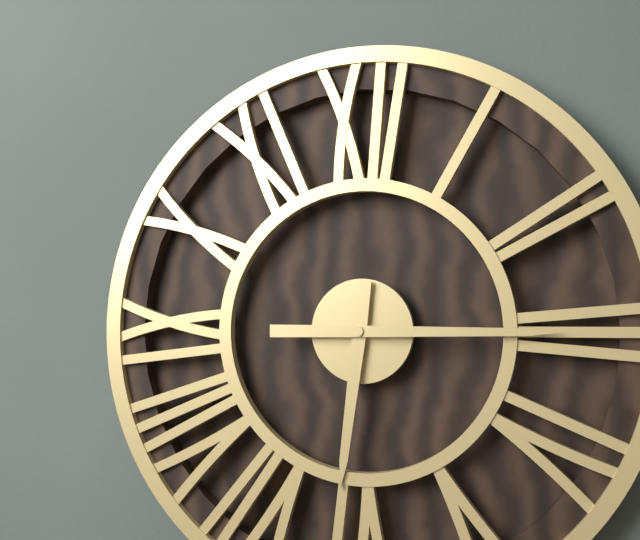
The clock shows {"hour": 6, "minute": 15}
